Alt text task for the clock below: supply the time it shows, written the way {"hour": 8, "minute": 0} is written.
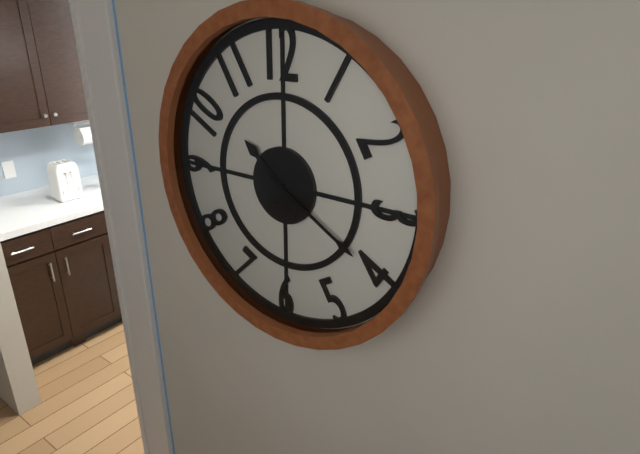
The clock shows {"hour": 10, "minute": 20}
